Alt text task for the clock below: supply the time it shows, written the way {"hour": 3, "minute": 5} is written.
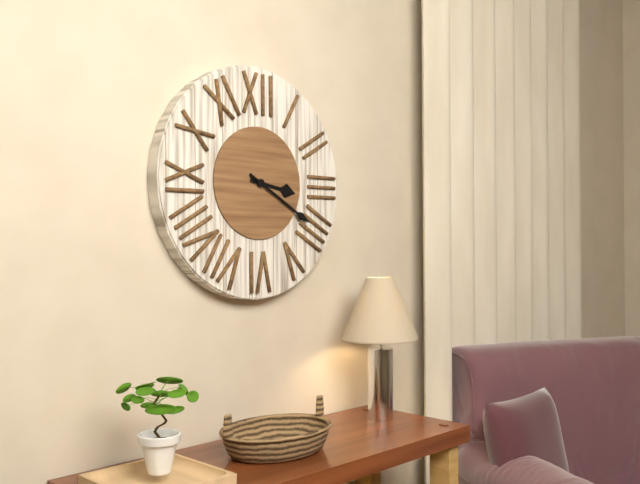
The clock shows {"hour": 3, "minute": 20}
